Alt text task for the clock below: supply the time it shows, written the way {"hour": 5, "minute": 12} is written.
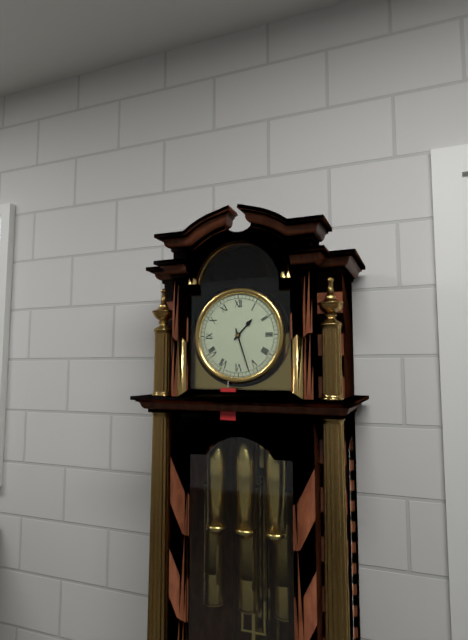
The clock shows {"hour": 1, "minute": 27}
